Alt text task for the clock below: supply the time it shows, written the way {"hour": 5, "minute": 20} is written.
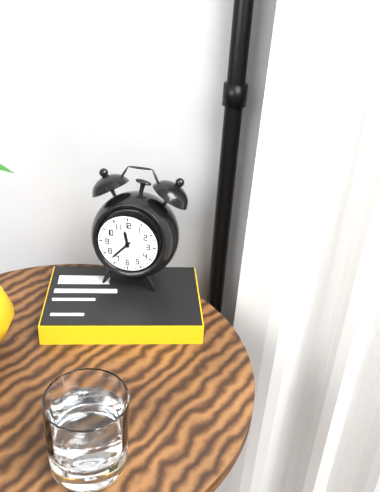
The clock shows {"hour": 11, "minute": 37}
